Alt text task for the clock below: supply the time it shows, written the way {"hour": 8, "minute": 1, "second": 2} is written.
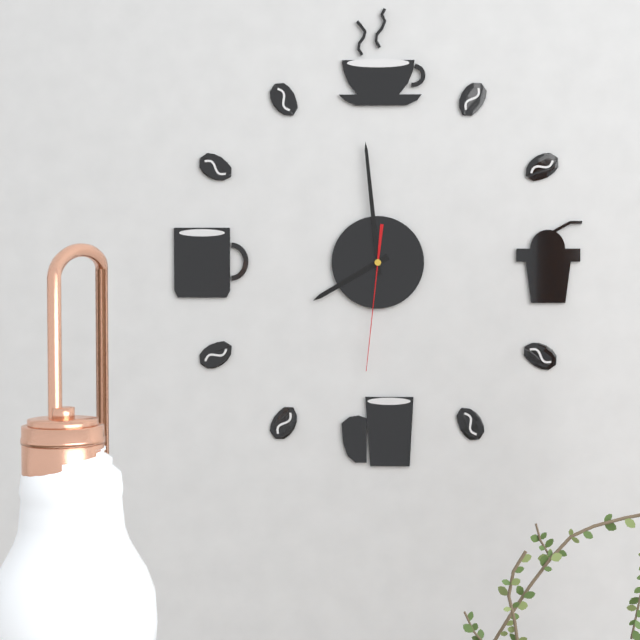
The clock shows {"hour": 7, "minute": 59, "second": 31}
